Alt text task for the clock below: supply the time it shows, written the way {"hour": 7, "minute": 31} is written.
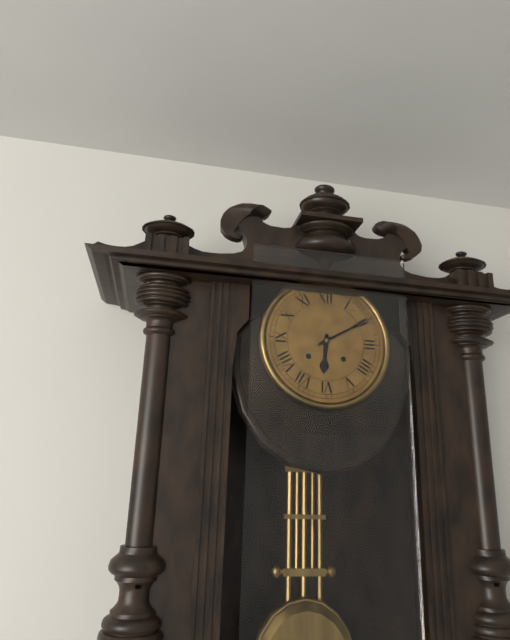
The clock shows {"hour": 6, "minute": 10}
